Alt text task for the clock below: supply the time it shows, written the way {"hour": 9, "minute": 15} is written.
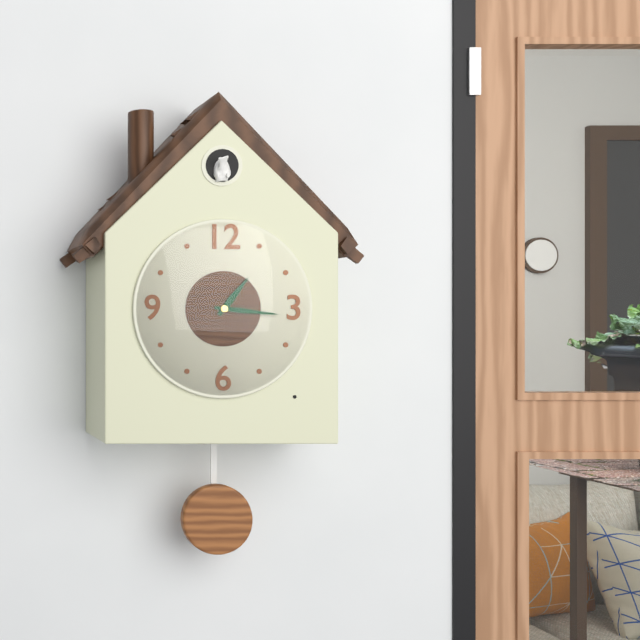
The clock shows {"hour": 1, "minute": 16}
